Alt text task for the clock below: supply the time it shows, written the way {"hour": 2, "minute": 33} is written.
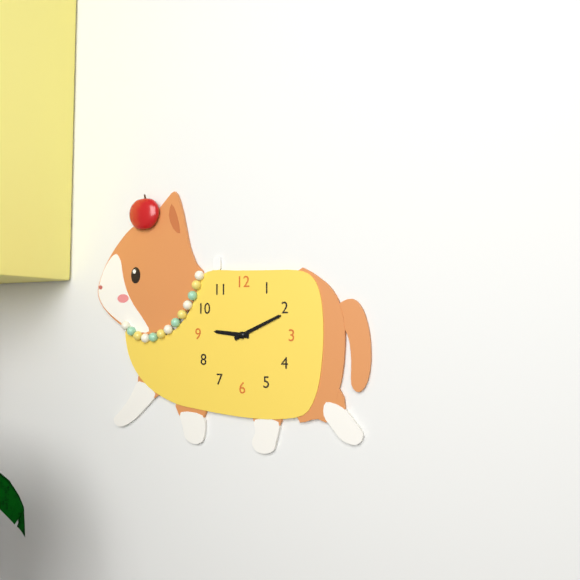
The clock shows {"hour": 9, "minute": 11}
